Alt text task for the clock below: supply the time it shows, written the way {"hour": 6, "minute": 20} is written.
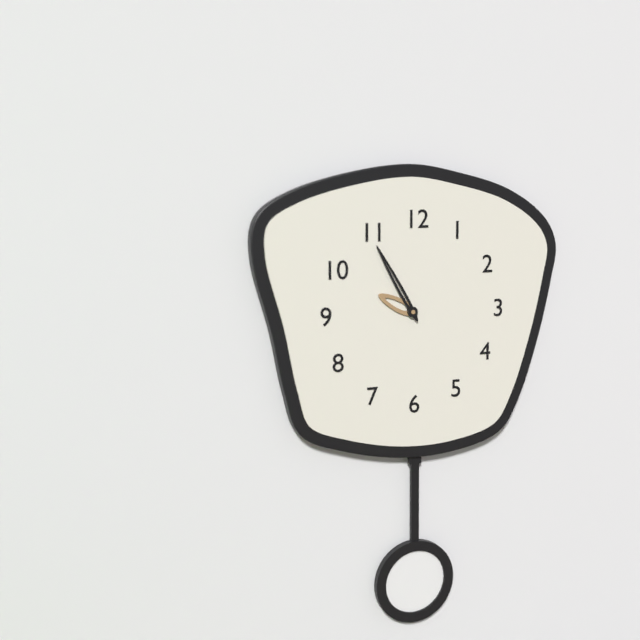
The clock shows {"hour": 9, "minute": 55}
